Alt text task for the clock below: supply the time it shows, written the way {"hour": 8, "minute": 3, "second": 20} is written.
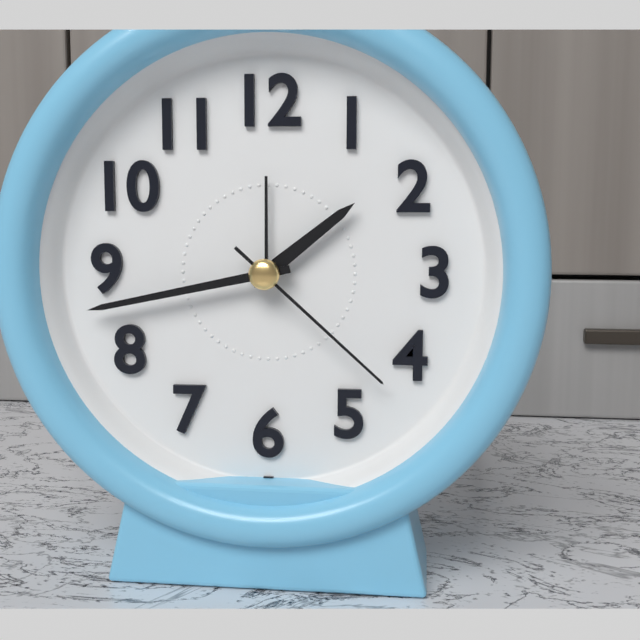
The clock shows {"hour": 1, "minute": 43, "second": 22}
